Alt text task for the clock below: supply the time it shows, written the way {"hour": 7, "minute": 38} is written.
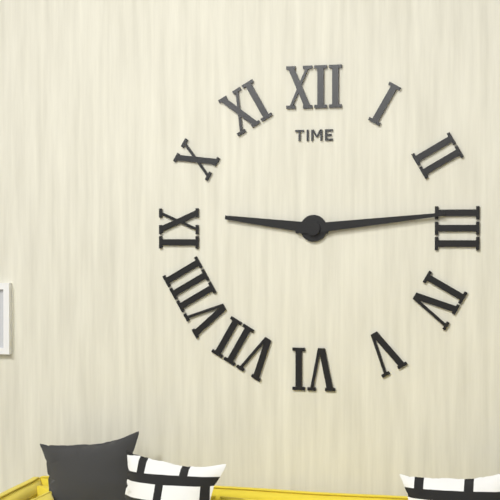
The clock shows {"hour": 9, "minute": 14}
